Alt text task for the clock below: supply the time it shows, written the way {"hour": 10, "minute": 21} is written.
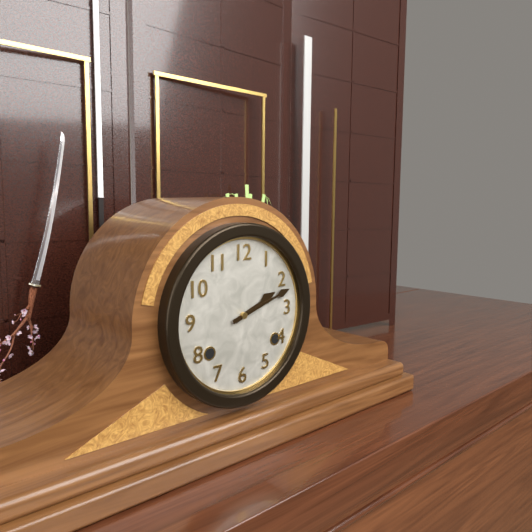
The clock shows {"hour": 2, "minute": 12}
